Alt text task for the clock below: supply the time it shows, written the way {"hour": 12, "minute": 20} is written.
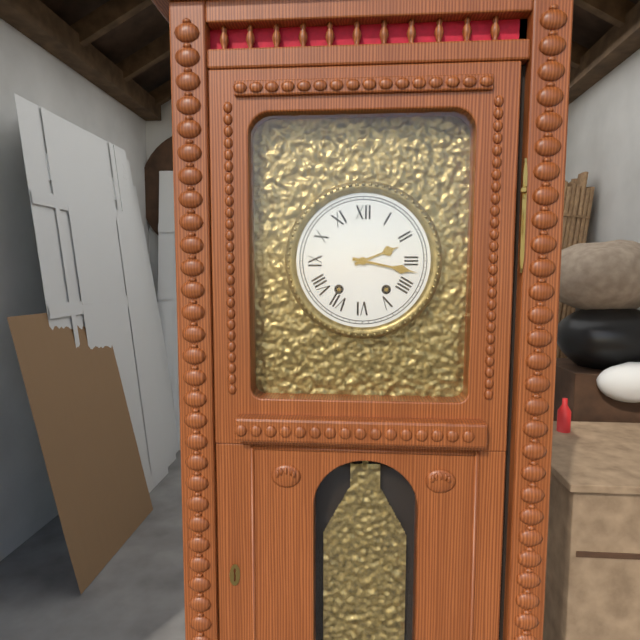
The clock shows {"hour": 2, "minute": 17}
